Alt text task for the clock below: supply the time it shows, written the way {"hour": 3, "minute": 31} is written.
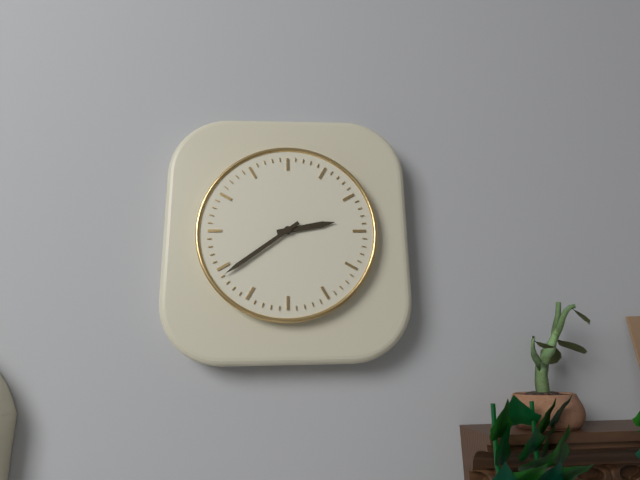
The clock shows {"hour": 2, "minute": 39}
